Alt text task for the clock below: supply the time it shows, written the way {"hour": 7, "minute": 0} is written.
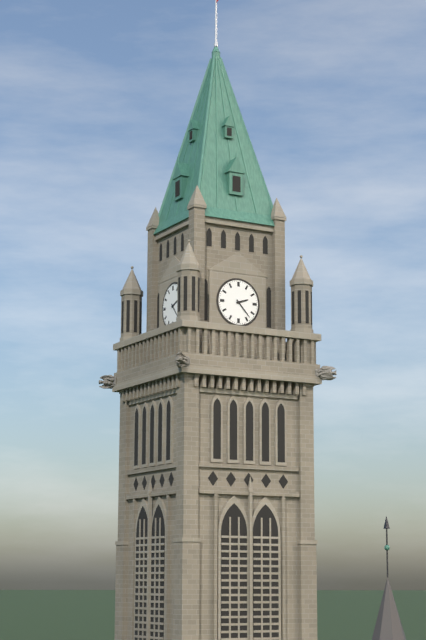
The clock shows {"hour": 2, "minute": 23}
